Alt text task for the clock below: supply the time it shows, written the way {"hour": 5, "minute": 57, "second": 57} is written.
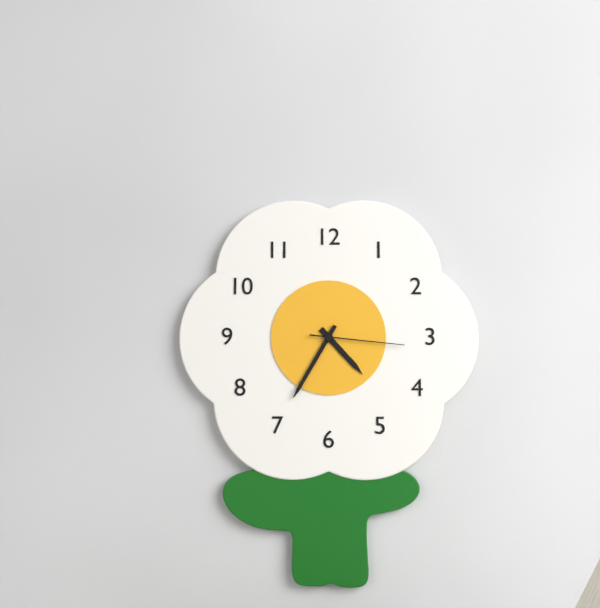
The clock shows {"hour": 4, "minute": 35, "second": 16}
